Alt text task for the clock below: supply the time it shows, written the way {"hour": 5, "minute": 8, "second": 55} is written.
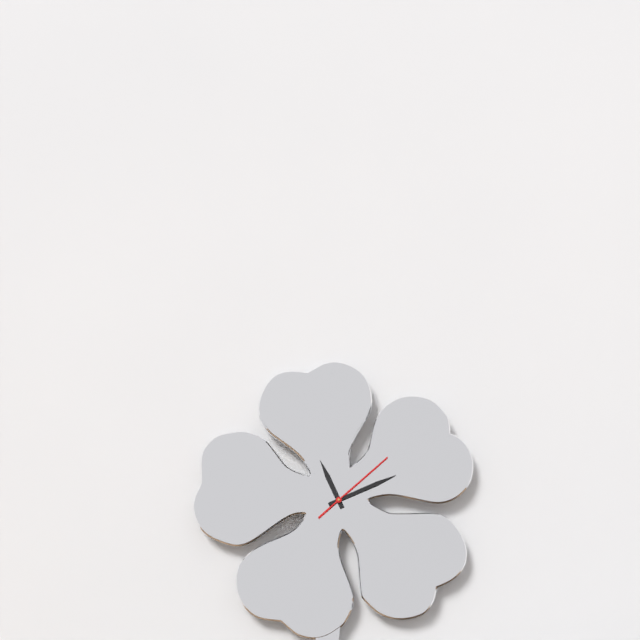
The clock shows {"hour": 11, "minute": 11, "second": 8}
